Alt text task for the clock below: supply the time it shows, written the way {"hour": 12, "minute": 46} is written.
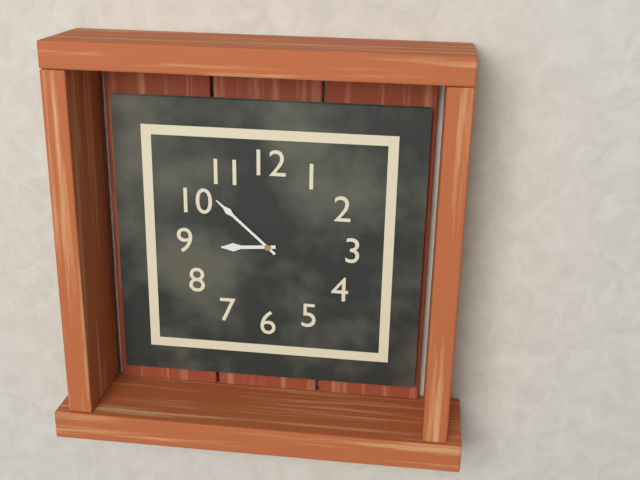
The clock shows {"hour": 8, "minute": 52}
